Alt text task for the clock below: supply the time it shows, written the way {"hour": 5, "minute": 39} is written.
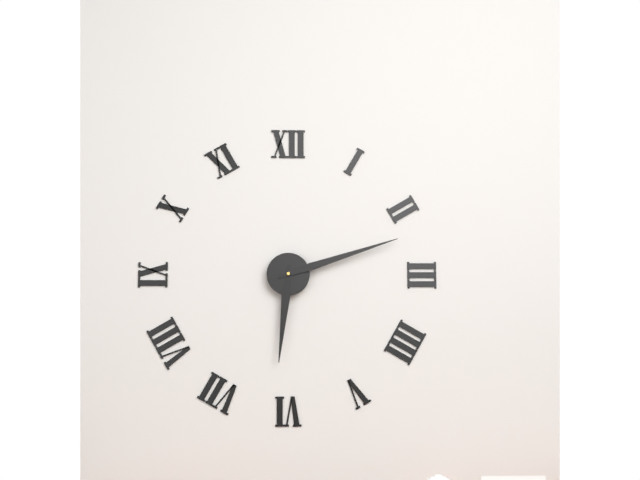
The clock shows {"hour": 6, "minute": 12}
